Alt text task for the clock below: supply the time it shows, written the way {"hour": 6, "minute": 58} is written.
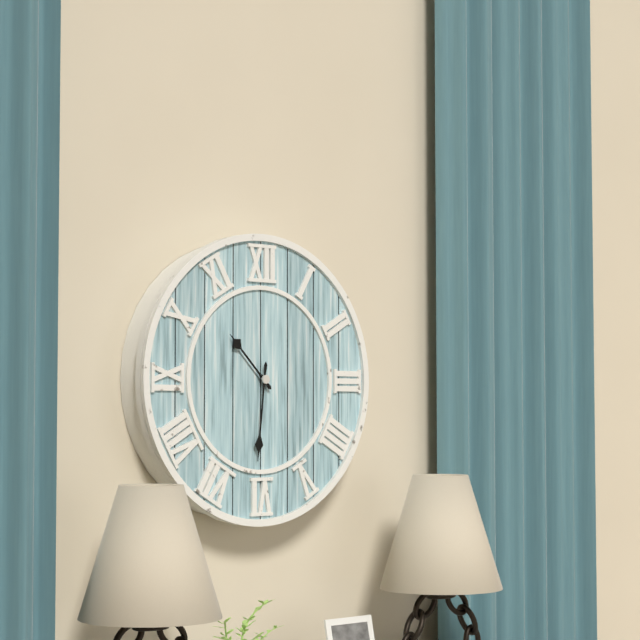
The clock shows {"hour": 10, "minute": 31}
